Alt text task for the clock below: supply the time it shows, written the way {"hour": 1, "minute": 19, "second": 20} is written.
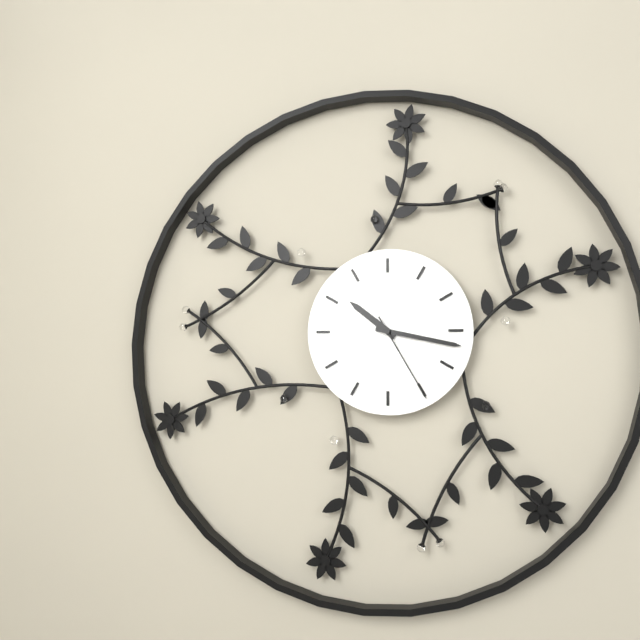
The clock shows {"hour": 10, "minute": 17, "second": 25}
